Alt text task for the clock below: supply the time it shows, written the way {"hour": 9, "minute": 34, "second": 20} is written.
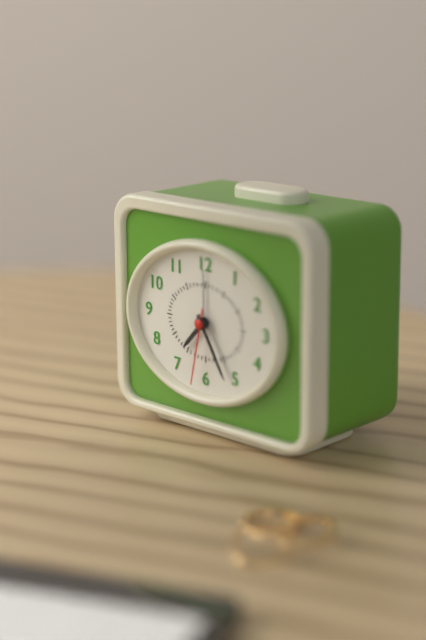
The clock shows {"hour": 7, "minute": 25, "second": 32}
